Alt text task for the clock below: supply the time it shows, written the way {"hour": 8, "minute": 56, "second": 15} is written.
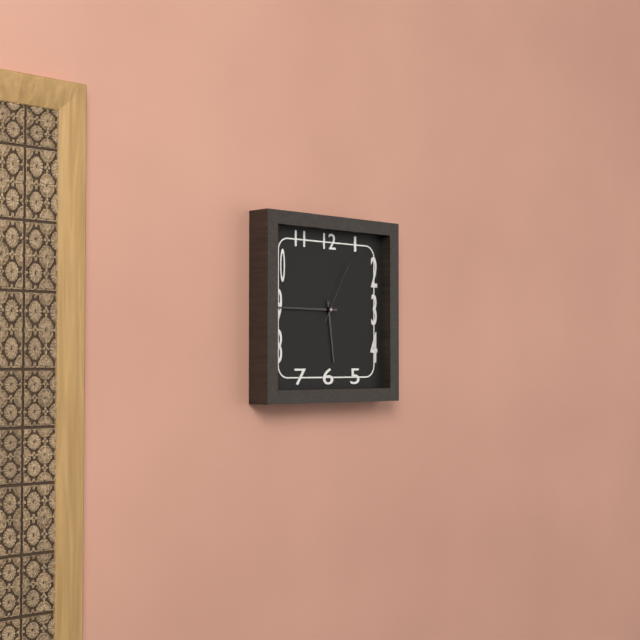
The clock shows {"hour": 5, "minute": 45, "second": 5}
